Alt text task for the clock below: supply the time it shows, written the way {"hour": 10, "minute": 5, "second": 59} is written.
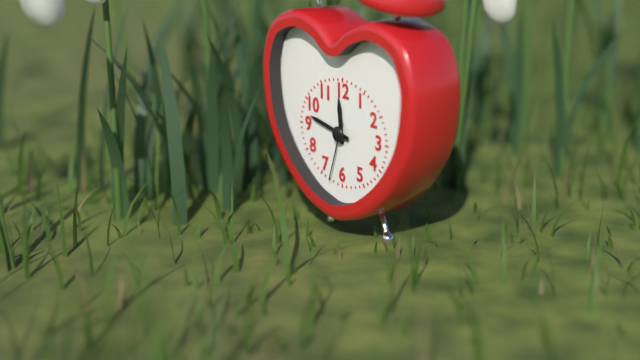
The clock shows {"hour": 11, "minute": 47, "second": 33}
